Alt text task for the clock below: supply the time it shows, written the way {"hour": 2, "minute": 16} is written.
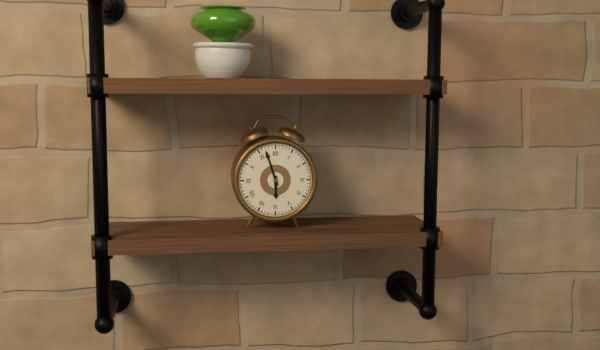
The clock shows {"hour": 5, "minute": 57}
